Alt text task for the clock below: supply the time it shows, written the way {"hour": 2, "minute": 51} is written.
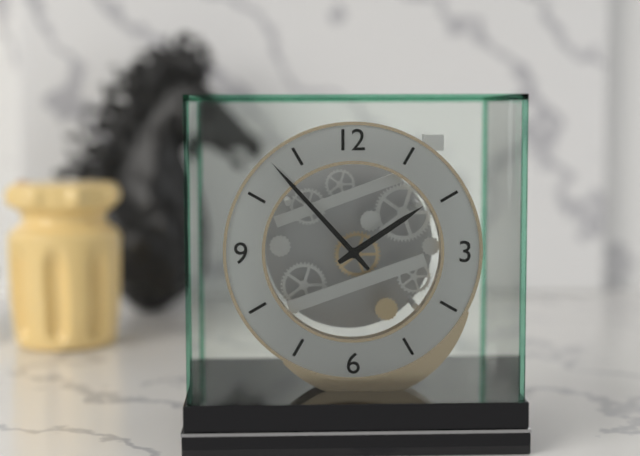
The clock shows {"hour": 1, "minute": 53}
